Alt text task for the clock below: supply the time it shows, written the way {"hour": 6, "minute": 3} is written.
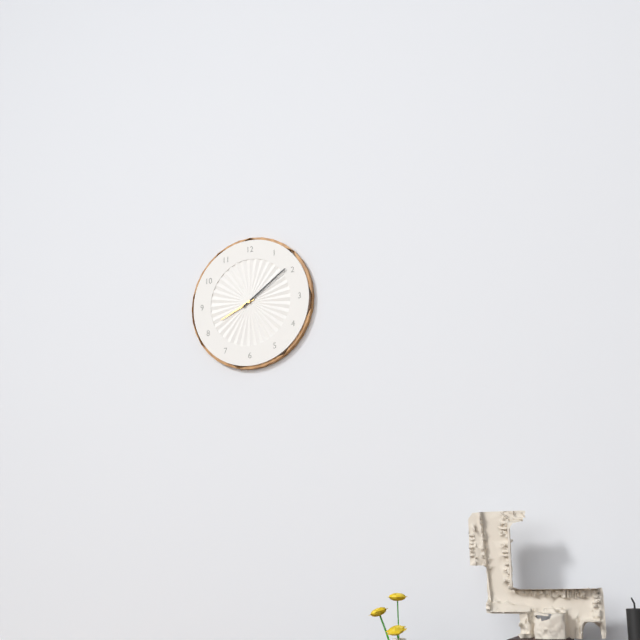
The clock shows {"hour": 8, "minute": 9}
